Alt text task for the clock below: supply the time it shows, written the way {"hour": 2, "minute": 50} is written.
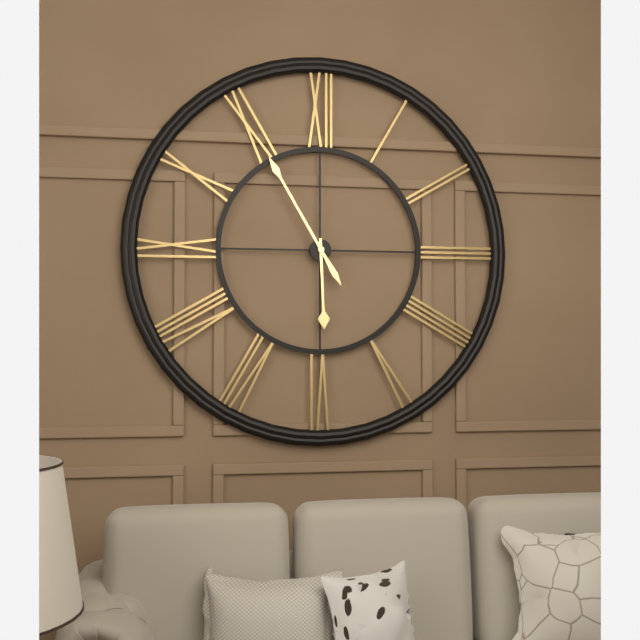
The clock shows {"hour": 5, "minute": 55}
